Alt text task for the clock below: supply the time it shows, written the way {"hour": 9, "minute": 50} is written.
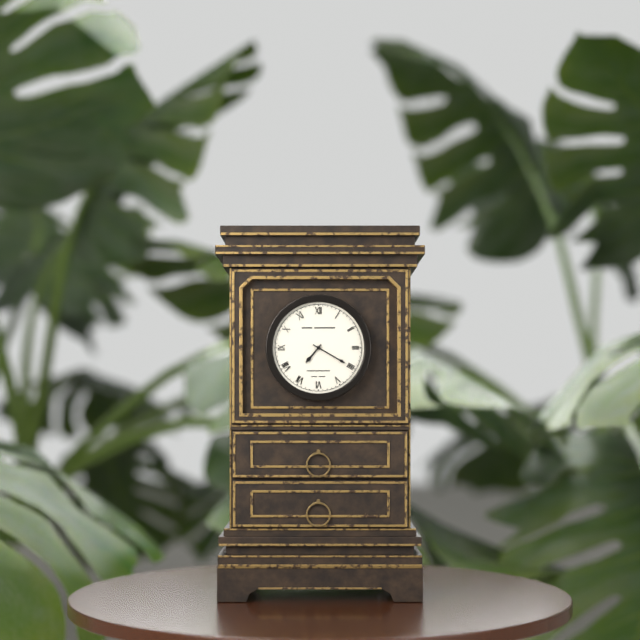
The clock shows {"hour": 7, "minute": 20}
